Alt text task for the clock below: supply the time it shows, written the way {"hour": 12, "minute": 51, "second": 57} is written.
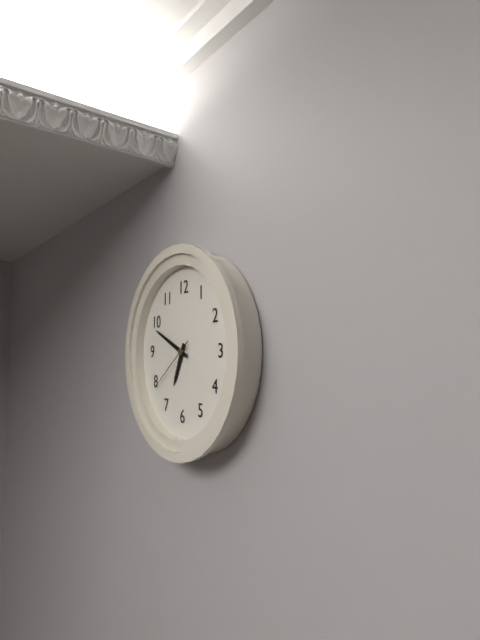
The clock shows {"hour": 6, "minute": 49, "second": 39}
